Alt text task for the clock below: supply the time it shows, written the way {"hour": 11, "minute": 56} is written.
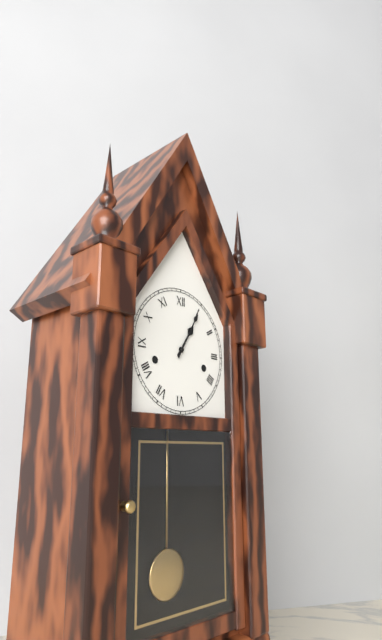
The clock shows {"hour": 1, "minute": 5}
